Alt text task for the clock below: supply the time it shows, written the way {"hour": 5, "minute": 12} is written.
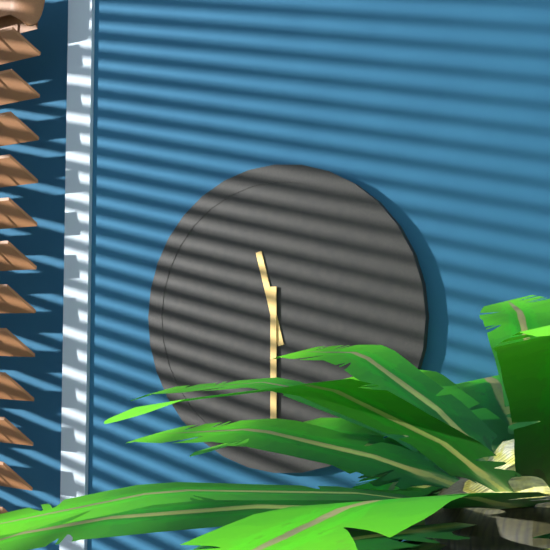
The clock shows {"hour": 11, "minute": 30}
